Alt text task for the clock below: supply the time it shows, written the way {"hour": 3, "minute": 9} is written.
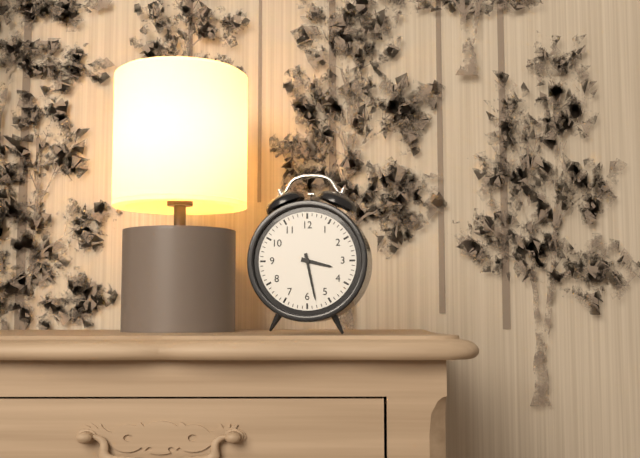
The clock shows {"hour": 3, "minute": 28}
